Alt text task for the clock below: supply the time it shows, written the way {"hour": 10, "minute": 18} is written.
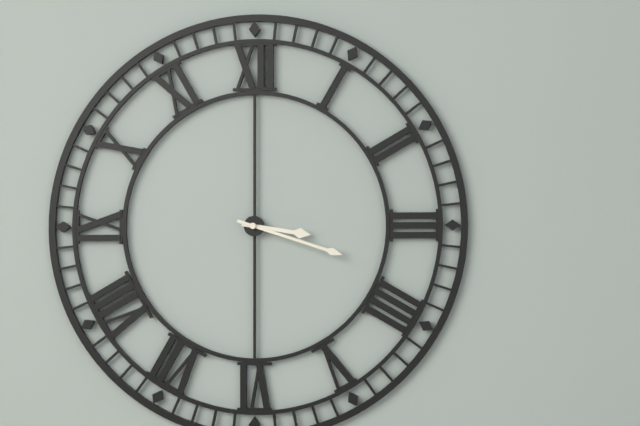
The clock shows {"hour": 3, "minute": 18}
